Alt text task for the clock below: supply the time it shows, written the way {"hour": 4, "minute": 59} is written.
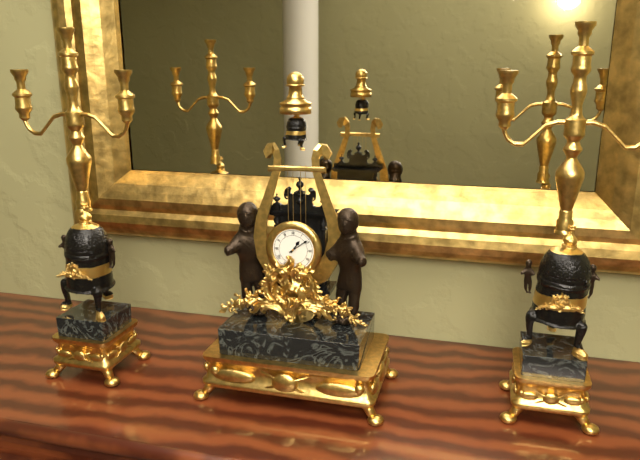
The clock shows {"hour": 1, "minute": 9}
